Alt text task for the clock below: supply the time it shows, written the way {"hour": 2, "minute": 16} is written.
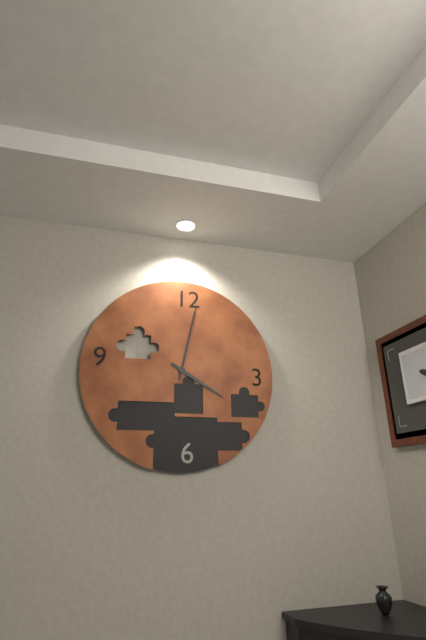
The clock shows {"hour": 4, "minute": 2}
